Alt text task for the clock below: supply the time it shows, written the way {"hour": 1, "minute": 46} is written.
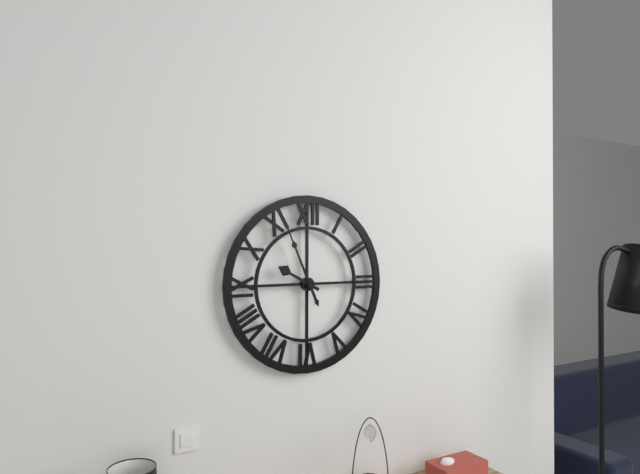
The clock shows {"hour": 9, "minute": 56}
